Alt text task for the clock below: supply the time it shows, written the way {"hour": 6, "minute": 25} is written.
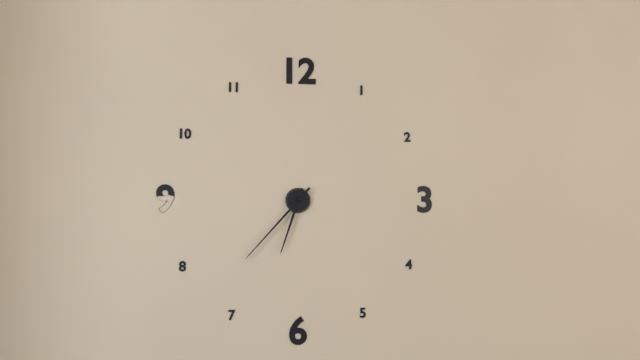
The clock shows {"hour": 6, "minute": 37}
